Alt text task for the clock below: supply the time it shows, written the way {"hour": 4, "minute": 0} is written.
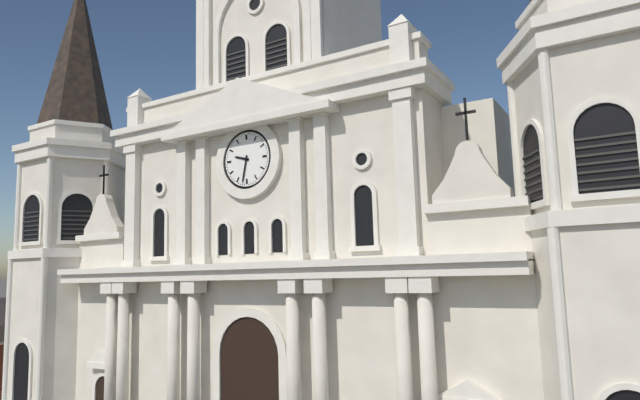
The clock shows {"hour": 9, "minute": 32}
